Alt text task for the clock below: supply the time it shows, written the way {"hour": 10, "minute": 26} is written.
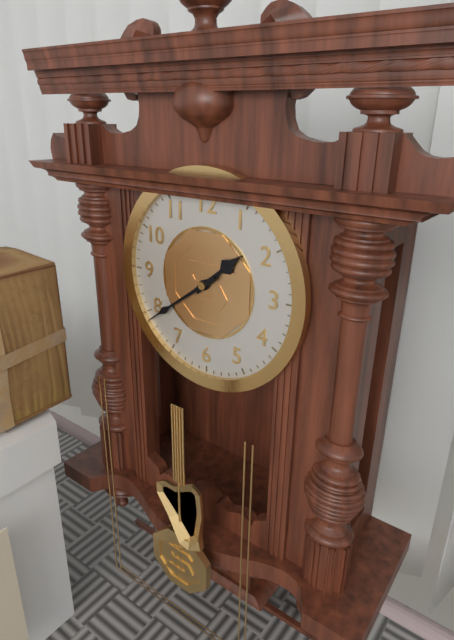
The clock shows {"hour": 1, "minute": 39}
